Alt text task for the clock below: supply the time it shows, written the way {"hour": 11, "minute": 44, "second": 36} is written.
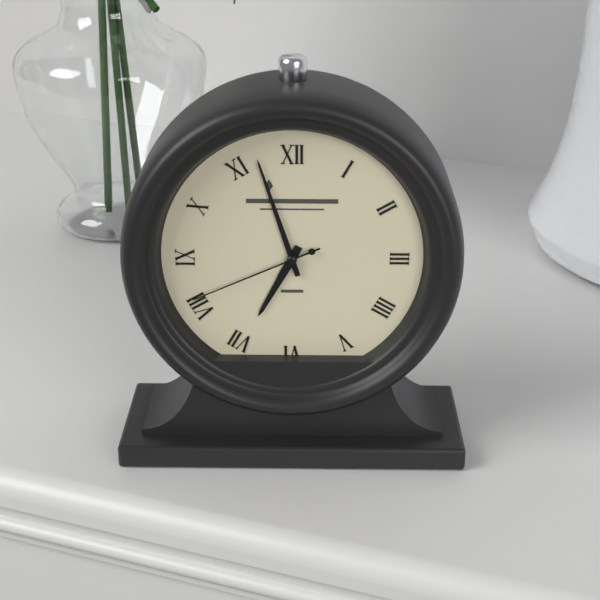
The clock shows {"hour": 6, "minute": 57, "second": 41}
